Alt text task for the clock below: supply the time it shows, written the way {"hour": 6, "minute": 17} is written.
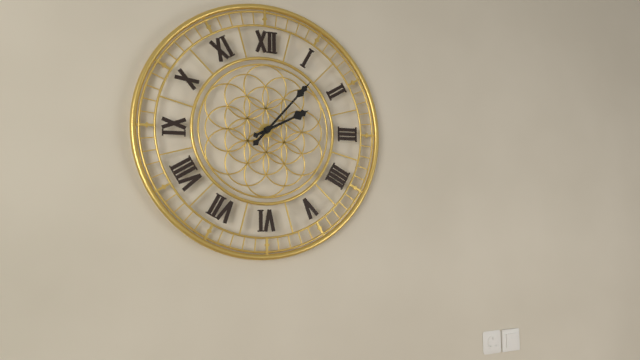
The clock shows {"hour": 2, "minute": 7}
